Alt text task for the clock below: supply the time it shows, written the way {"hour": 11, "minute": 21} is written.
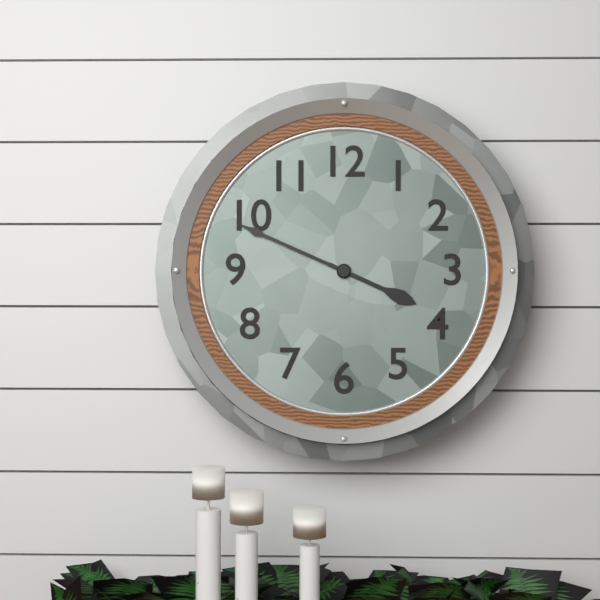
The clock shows {"hour": 3, "minute": 49}
